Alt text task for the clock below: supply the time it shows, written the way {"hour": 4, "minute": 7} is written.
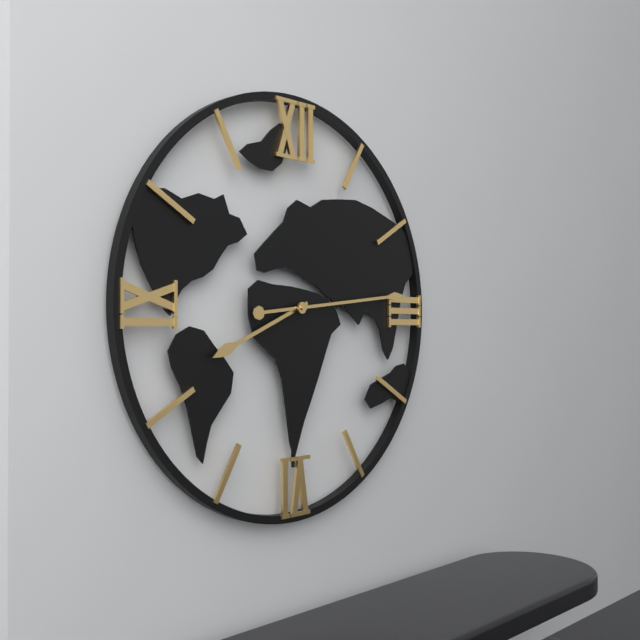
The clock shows {"hour": 8, "minute": 14}
